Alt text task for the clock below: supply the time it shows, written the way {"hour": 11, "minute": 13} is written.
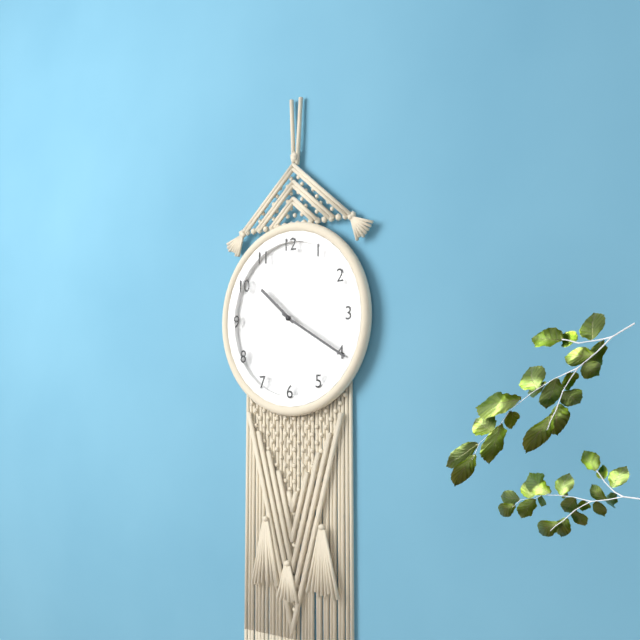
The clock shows {"hour": 10, "minute": 20}
